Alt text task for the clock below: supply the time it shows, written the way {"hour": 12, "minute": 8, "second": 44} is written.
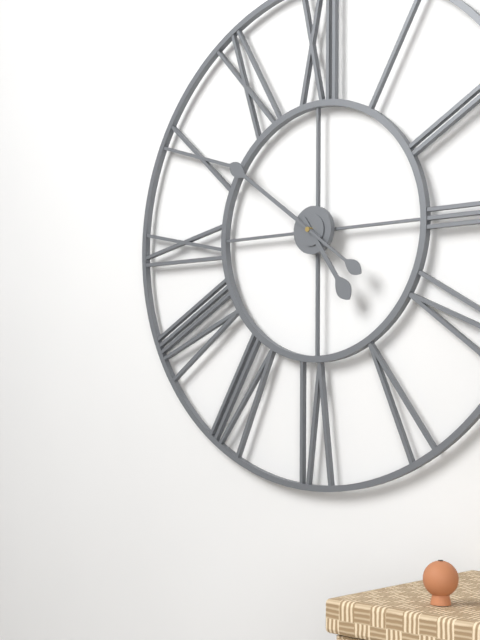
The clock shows {"hour": 4, "minute": 51, "second": 21}
